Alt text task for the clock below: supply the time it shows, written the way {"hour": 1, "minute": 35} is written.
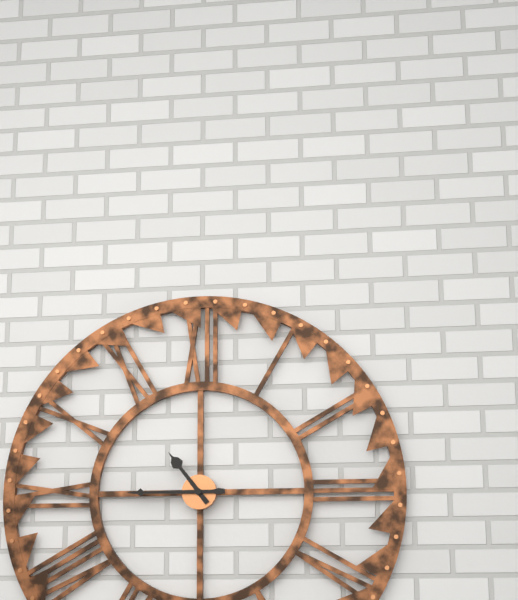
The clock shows {"hour": 10, "minute": 45}
